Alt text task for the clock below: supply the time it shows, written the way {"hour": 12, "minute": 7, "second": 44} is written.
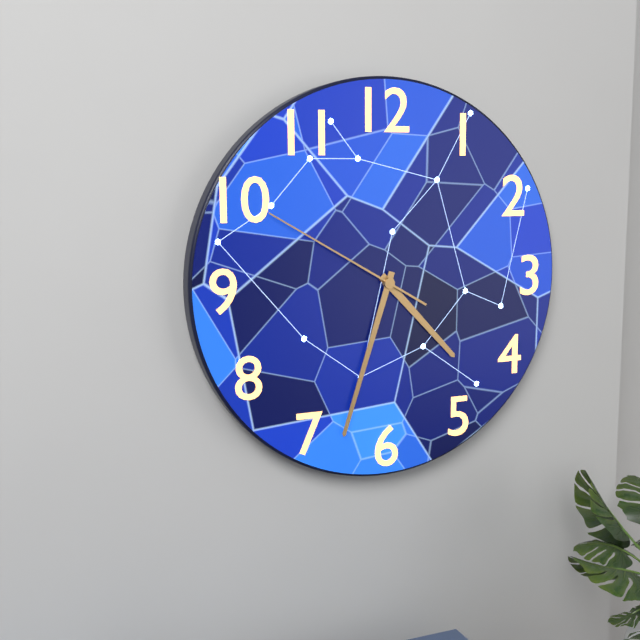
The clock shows {"hour": 4, "minute": 33, "second": 50}
